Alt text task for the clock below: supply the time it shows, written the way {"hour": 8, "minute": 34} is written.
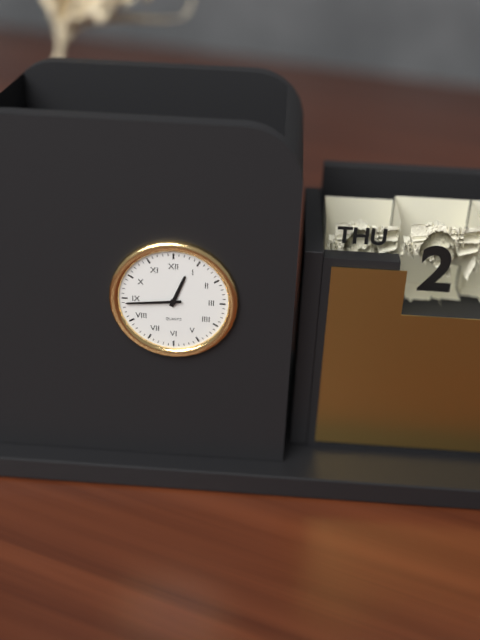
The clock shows {"hour": 12, "minute": 44}
